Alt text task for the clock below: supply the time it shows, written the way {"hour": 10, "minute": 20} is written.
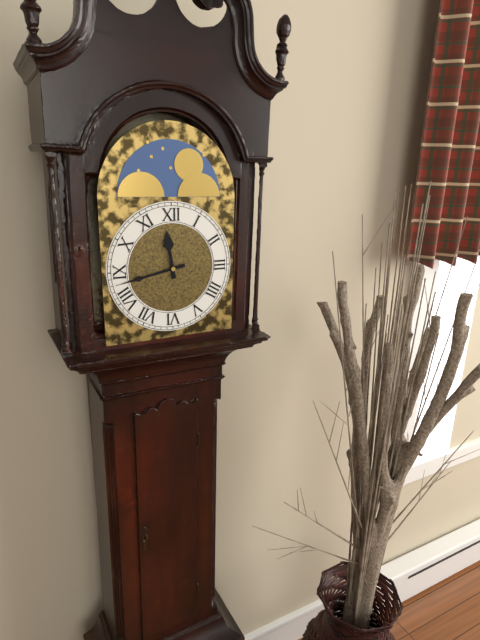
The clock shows {"hour": 11, "minute": 43}
